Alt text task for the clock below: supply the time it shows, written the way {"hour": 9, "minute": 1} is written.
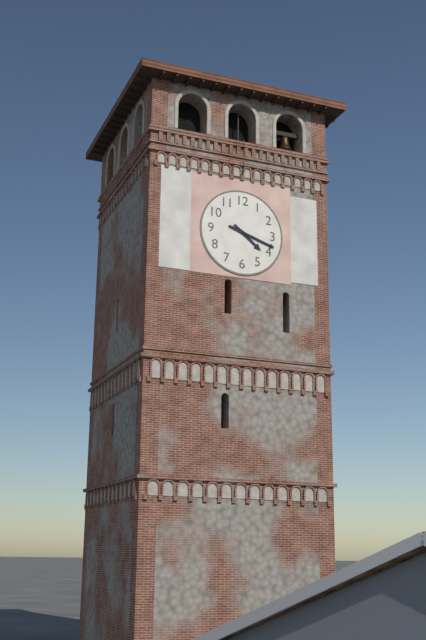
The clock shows {"hour": 4, "minute": 18}
